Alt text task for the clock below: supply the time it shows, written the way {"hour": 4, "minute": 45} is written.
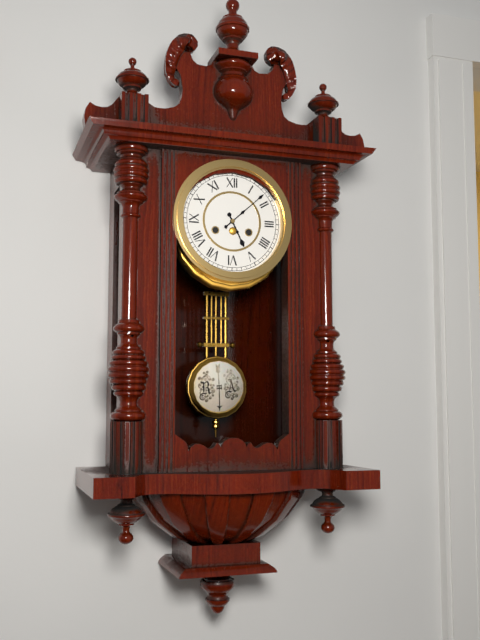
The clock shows {"hour": 5, "minute": 8}
